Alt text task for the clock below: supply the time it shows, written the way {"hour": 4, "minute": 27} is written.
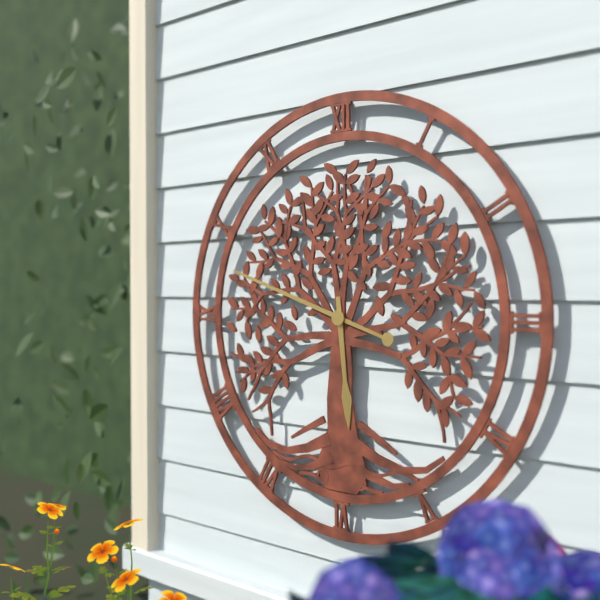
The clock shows {"hour": 5, "minute": 48}
